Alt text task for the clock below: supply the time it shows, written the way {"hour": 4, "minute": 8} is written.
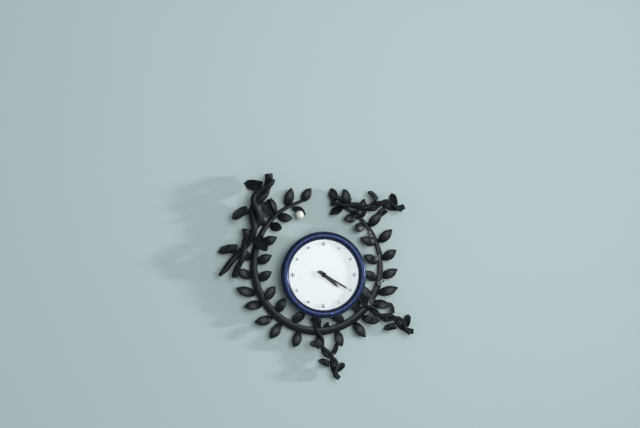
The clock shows {"hour": 4, "minute": 20}
